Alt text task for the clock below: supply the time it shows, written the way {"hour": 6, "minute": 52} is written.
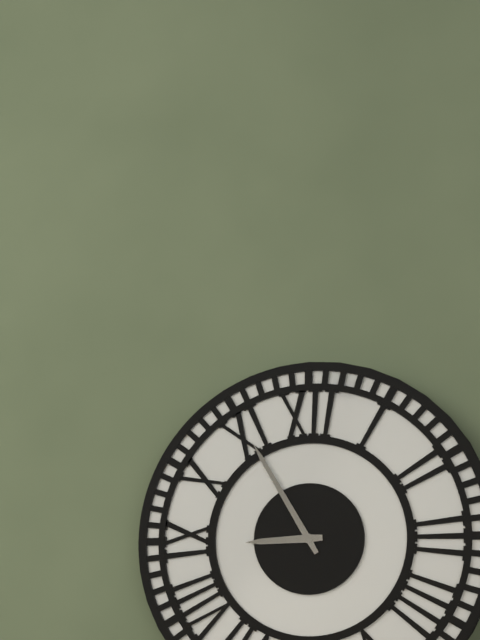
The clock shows {"hour": 8, "minute": 55}
